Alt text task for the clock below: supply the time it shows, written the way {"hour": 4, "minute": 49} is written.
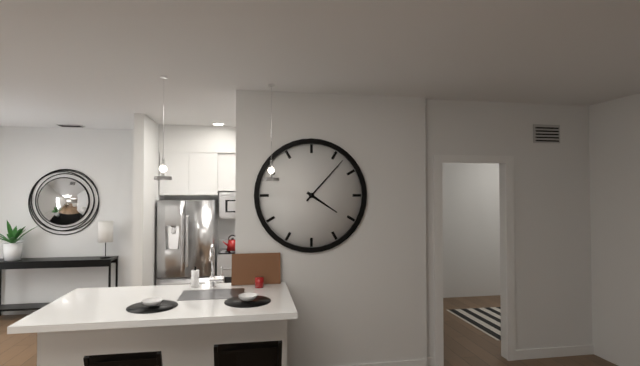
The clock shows {"hour": 4, "minute": 7}
